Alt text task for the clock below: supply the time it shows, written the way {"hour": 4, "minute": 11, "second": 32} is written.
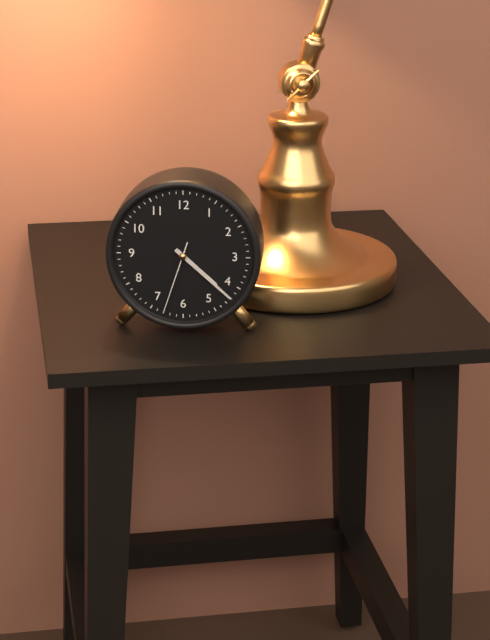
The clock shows {"hour": 4, "minute": 22, "second": 33}
